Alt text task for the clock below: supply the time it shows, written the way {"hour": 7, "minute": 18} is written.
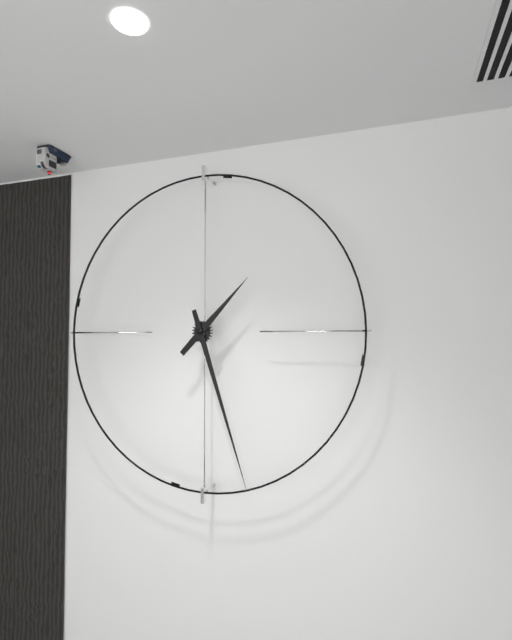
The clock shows {"hour": 1, "minute": 27}
